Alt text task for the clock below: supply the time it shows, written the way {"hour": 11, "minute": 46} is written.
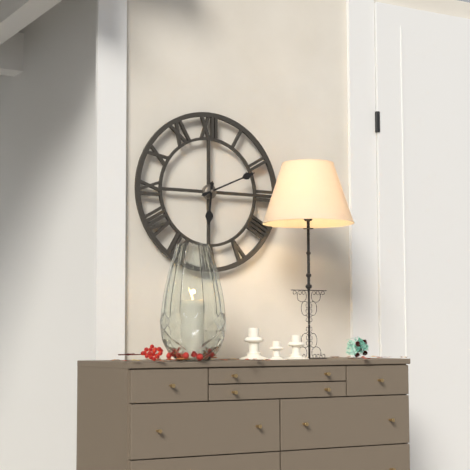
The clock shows {"hour": 6, "minute": 11}
